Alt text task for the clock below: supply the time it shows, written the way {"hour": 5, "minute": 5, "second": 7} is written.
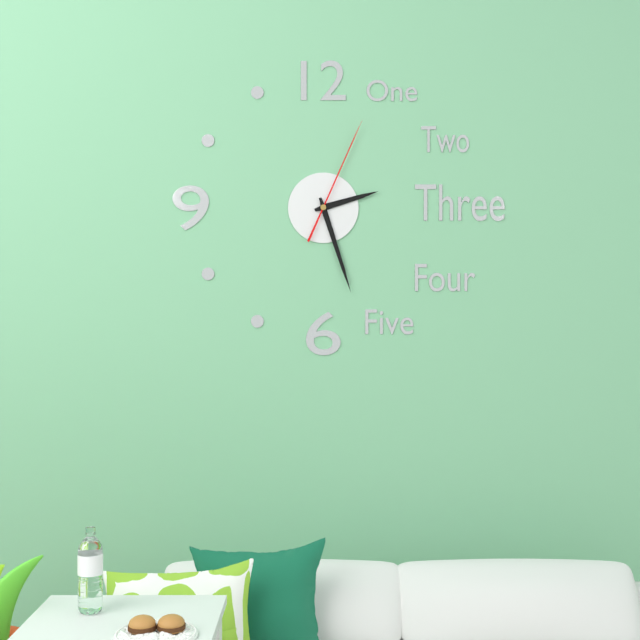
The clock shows {"hour": 2, "minute": 27, "second": 4}
